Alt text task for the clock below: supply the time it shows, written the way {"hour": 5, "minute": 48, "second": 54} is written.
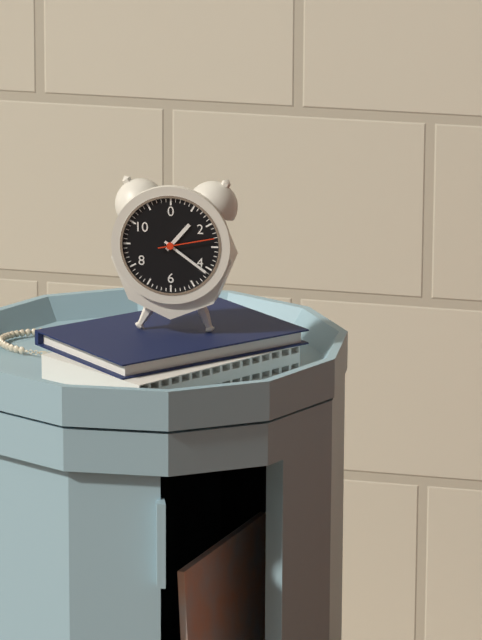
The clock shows {"hour": 1, "minute": 21, "second": 13}
